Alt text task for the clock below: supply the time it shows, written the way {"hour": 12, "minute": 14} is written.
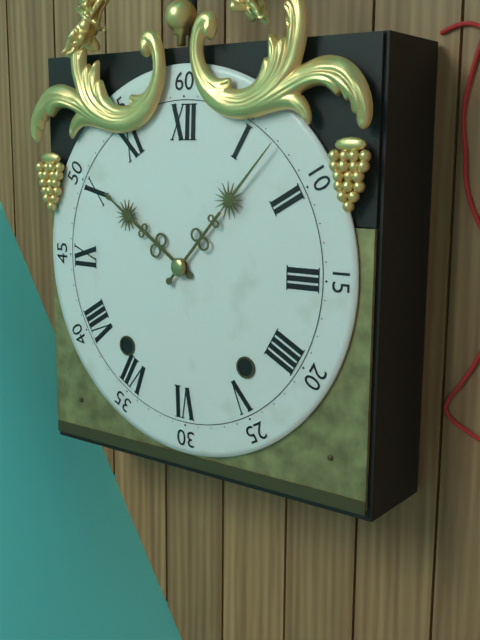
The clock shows {"hour": 10, "minute": 7}
